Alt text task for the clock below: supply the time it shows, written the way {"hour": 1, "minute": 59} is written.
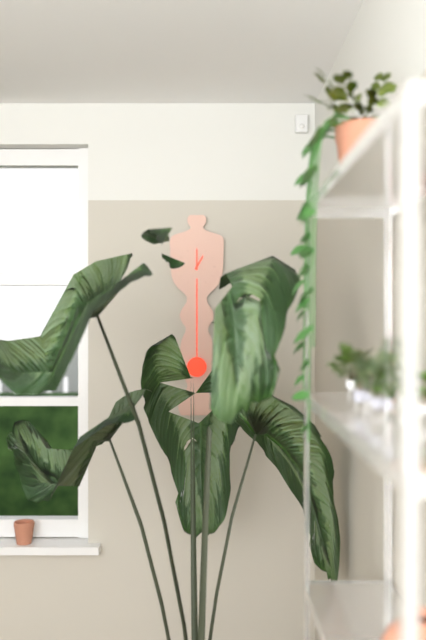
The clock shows {"hour": 1, "minute": 0}
